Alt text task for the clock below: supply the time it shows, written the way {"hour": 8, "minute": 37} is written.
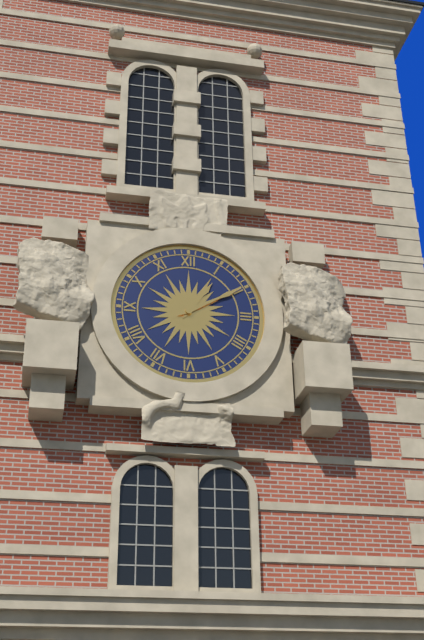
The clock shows {"hour": 1, "minute": 10}
